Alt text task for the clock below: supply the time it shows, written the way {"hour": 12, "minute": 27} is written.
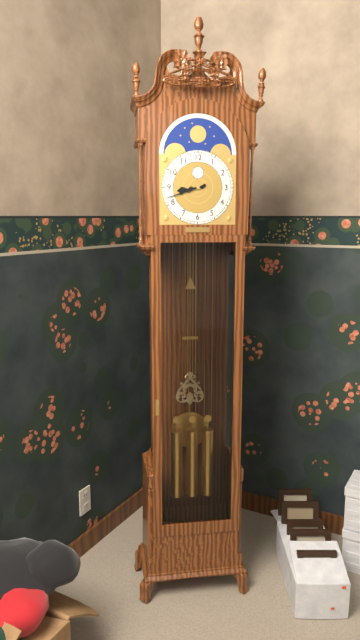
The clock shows {"hour": 8, "minute": 42}
